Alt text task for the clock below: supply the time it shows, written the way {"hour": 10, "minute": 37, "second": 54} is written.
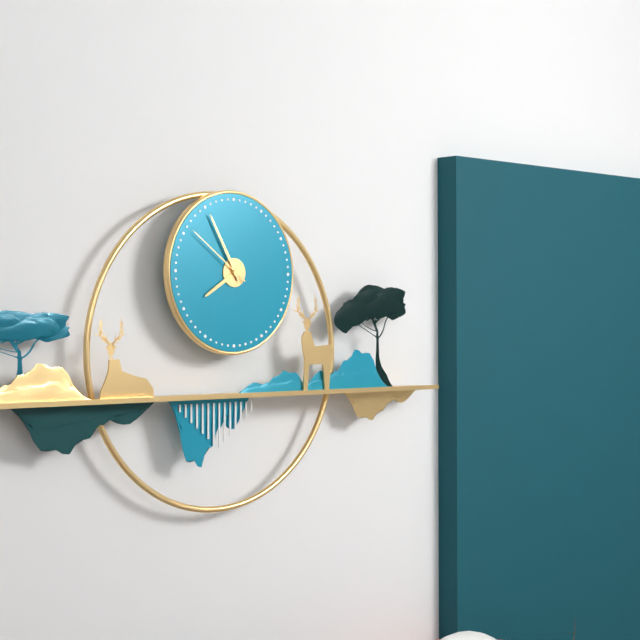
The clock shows {"hour": 7, "minute": 55, "second": 51}
